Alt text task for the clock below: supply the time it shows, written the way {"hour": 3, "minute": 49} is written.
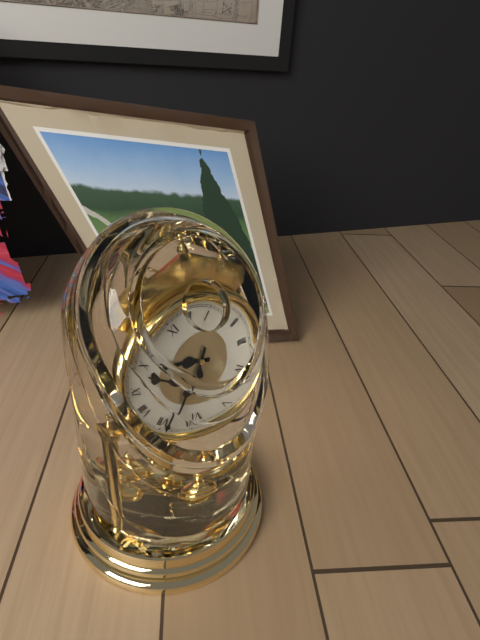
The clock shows {"hour": 9, "minute": 34}
